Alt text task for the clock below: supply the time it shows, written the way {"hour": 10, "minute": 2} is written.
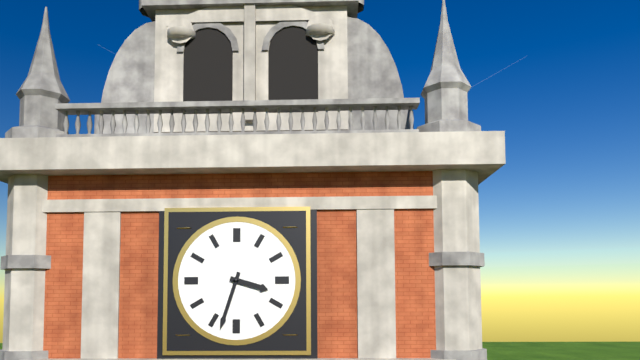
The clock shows {"hour": 3, "minute": 33}
